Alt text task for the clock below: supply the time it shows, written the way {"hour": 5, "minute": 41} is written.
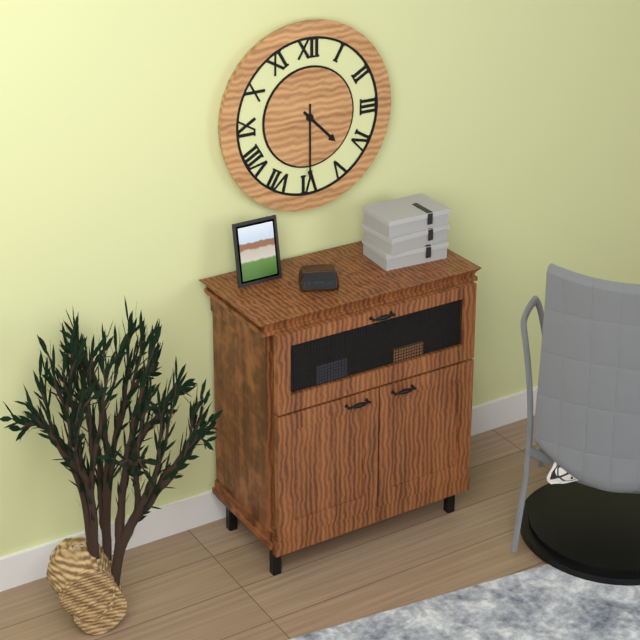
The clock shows {"hour": 4, "minute": 30}
